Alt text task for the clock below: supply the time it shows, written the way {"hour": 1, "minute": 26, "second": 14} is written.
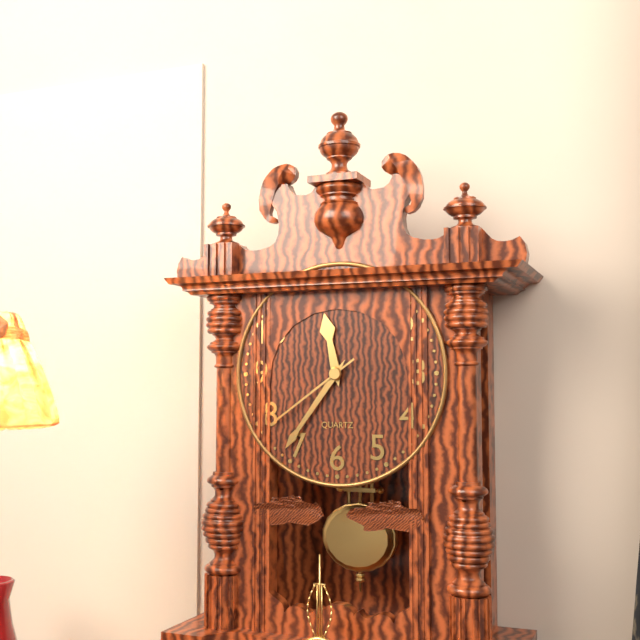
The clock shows {"hour": 11, "minute": 36, "second": 39}
